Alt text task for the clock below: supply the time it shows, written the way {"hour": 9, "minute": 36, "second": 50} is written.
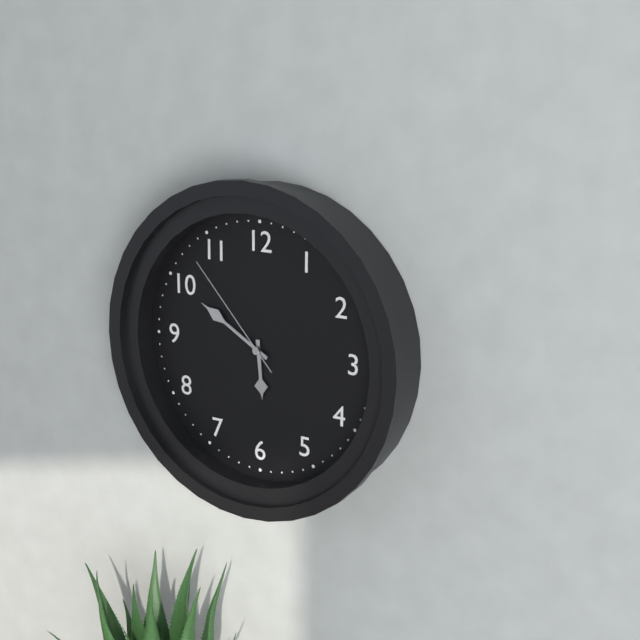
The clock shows {"hour": 5, "minute": 50, "second": 53}
